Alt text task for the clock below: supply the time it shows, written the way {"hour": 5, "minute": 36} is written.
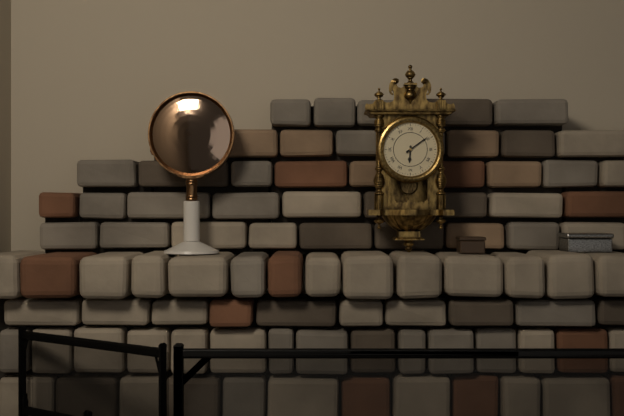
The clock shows {"hour": 6, "minute": 9}
